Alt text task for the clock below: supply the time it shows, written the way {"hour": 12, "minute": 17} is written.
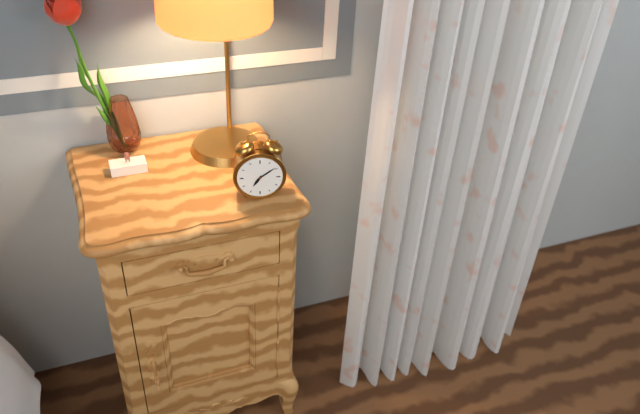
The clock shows {"hour": 7, "minute": 9}
